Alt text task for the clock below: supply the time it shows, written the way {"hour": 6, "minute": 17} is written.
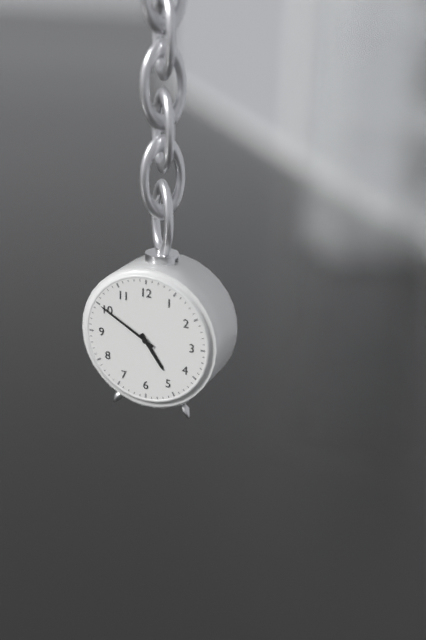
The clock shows {"hour": 4, "minute": 50}
